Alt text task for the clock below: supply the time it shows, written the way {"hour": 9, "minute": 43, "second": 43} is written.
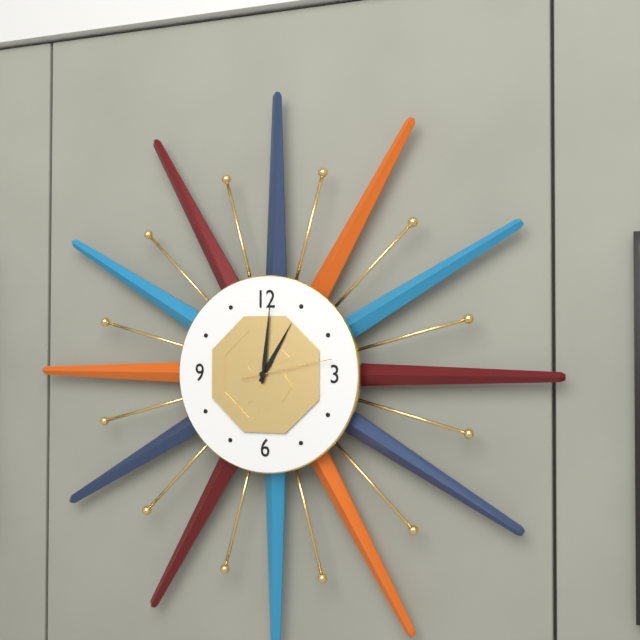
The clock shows {"hour": 1, "minute": 1, "second": 13}
